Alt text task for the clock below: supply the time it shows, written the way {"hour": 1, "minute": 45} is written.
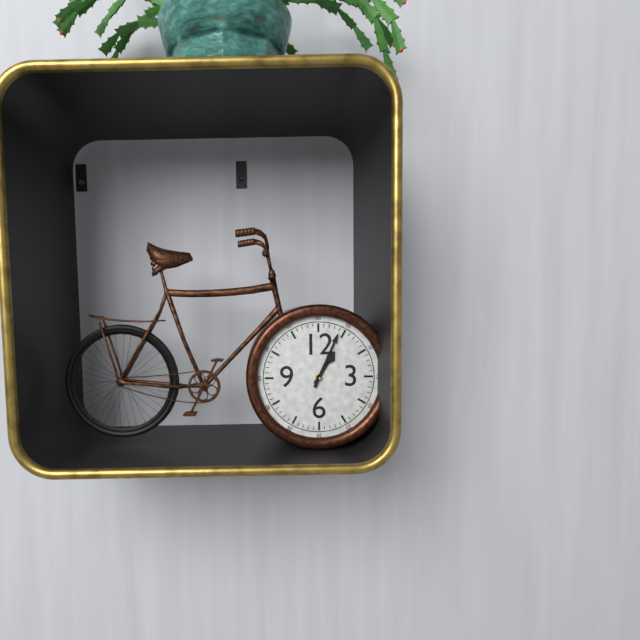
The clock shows {"hour": 1, "minute": 4}
